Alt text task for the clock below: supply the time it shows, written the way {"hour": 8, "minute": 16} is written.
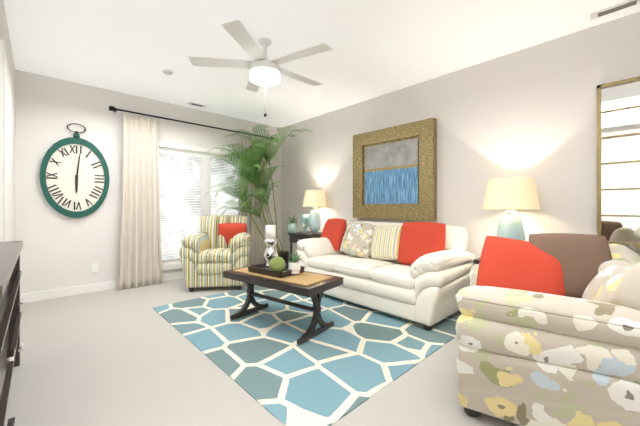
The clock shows {"hour": 6, "minute": 1}
